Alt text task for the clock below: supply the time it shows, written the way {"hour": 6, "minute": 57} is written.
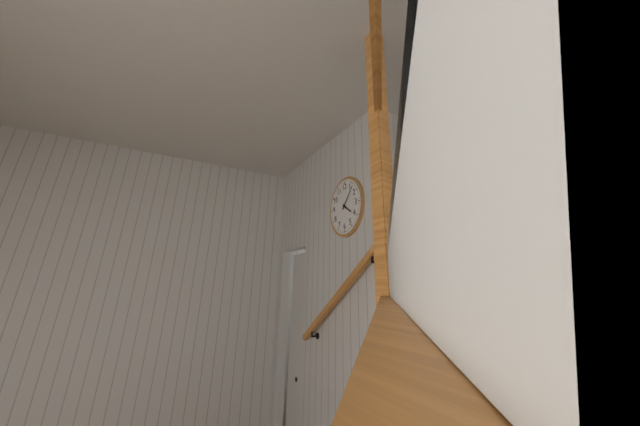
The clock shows {"hour": 4, "minute": 7}
